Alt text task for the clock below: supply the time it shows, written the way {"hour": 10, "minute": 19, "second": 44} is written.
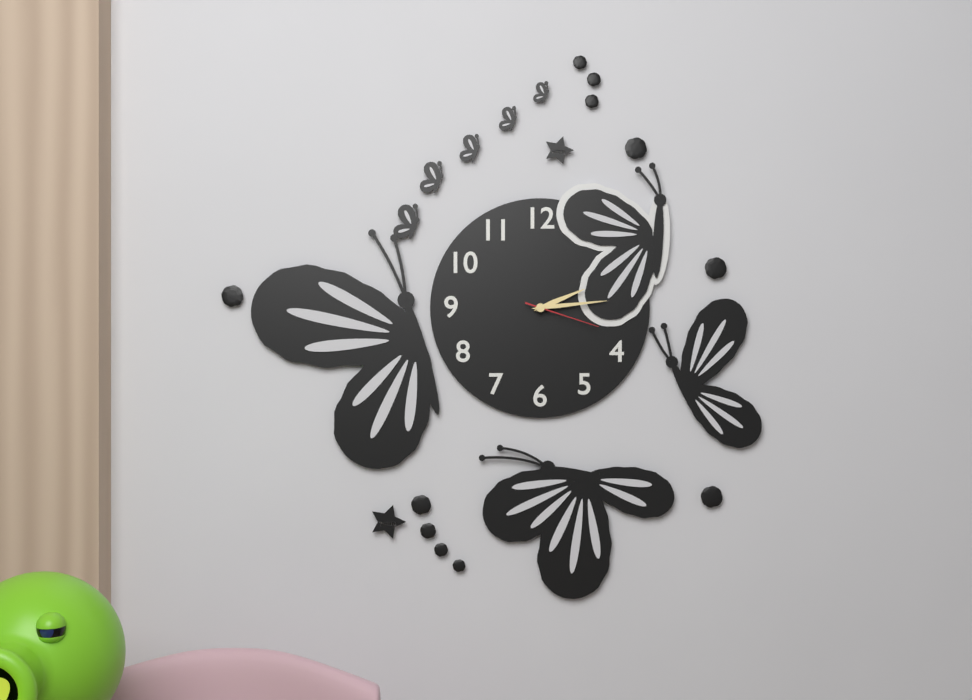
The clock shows {"hour": 2, "minute": 14, "second": 18}
